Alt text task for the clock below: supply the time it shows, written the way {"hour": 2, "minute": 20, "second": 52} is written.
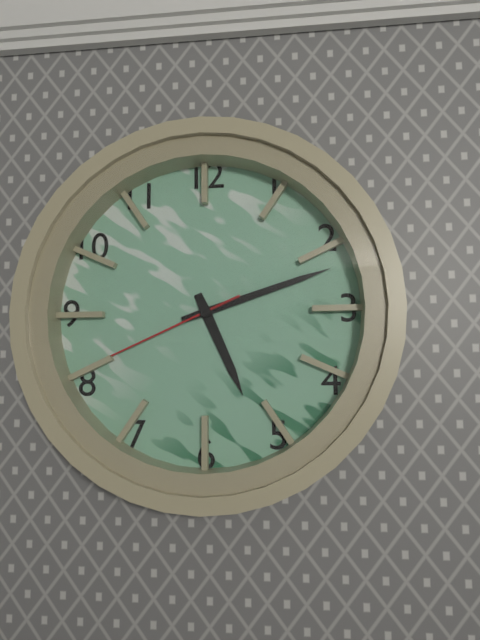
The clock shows {"hour": 5, "minute": 12, "second": 41}
